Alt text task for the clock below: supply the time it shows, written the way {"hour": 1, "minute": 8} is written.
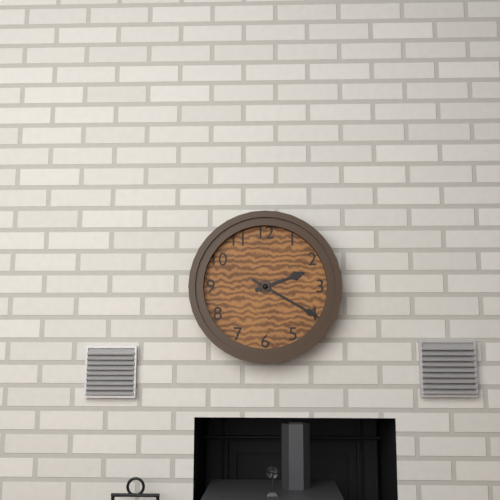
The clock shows {"hour": 2, "minute": 20}
